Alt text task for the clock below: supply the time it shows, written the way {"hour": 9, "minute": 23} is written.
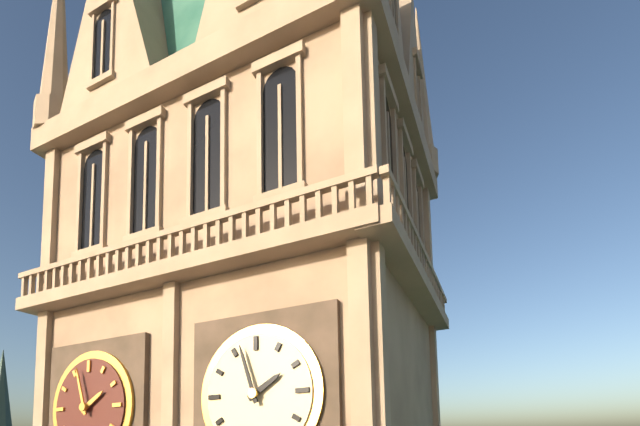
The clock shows {"hour": 1, "minute": 57}
